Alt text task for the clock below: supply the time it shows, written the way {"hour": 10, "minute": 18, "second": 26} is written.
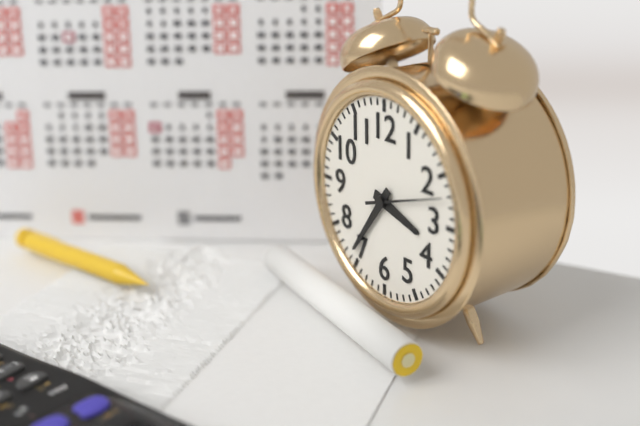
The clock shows {"hour": 3, "minute": 36, "second": 12}
